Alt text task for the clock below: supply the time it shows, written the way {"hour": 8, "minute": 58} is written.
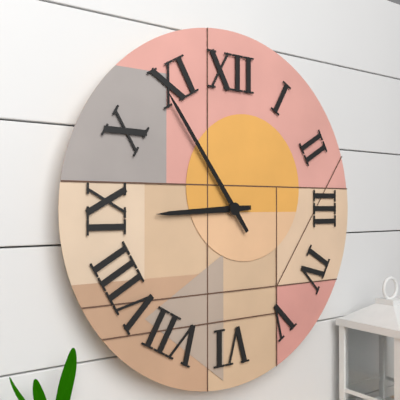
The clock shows {"hour": 8, "minute": 54}
